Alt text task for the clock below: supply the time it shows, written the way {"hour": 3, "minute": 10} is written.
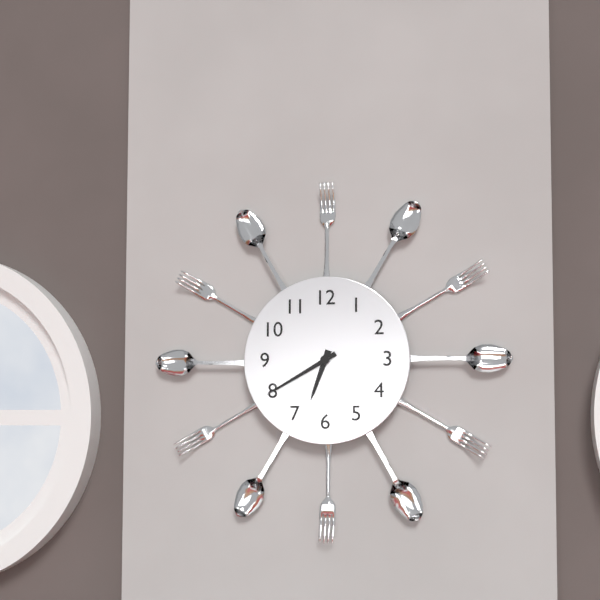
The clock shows {"hour": 6, "minute": 40}
